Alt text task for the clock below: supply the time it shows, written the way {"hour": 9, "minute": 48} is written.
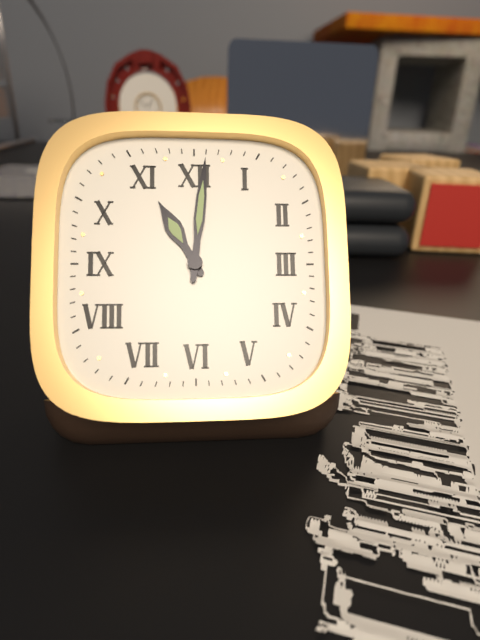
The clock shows {"hour": 11, "minute": 1}
